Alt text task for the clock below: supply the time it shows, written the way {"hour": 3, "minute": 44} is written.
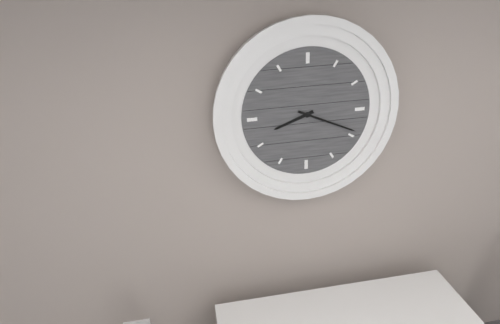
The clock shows {"hour": 8, "minute": 19}
